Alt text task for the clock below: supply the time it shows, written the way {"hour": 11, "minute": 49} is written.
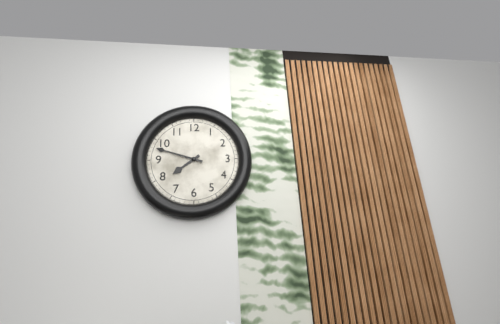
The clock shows {"hour": 7, "minute": 48}
